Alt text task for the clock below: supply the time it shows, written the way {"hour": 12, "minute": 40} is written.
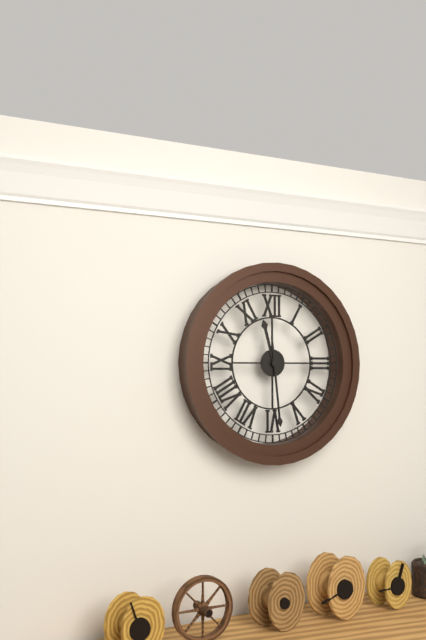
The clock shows {"hour": 11, "minute": 29}
